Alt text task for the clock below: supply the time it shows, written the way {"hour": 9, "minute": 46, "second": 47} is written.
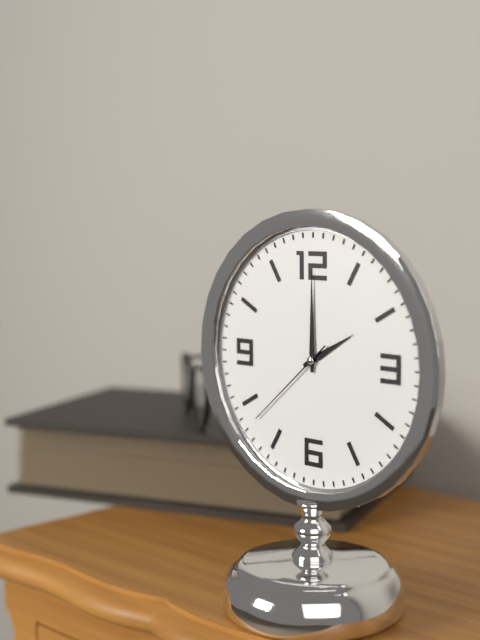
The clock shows {"hour": 2, "minute": 0, "second": 38}
